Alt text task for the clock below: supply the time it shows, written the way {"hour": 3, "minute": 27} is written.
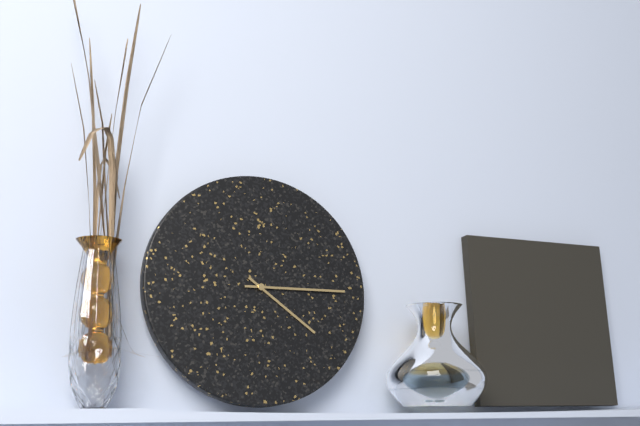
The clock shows {"hour": 4, "minute": 15}
